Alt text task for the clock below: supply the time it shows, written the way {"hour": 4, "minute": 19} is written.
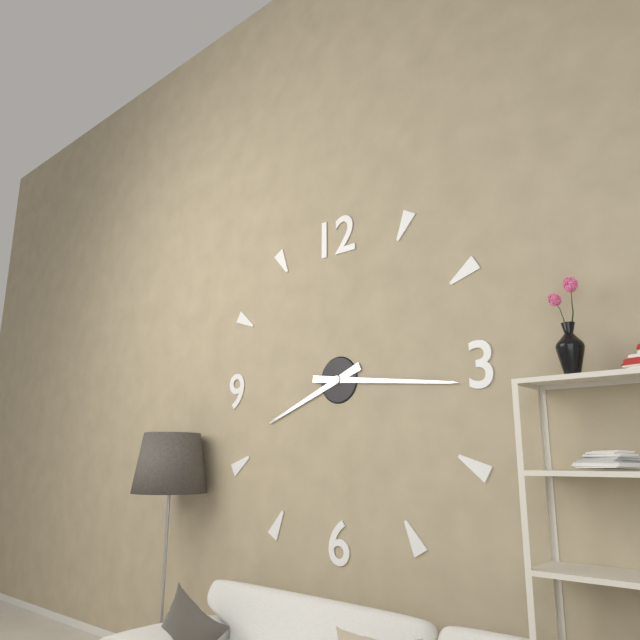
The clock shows {"hour": 8, "minute": 16}
